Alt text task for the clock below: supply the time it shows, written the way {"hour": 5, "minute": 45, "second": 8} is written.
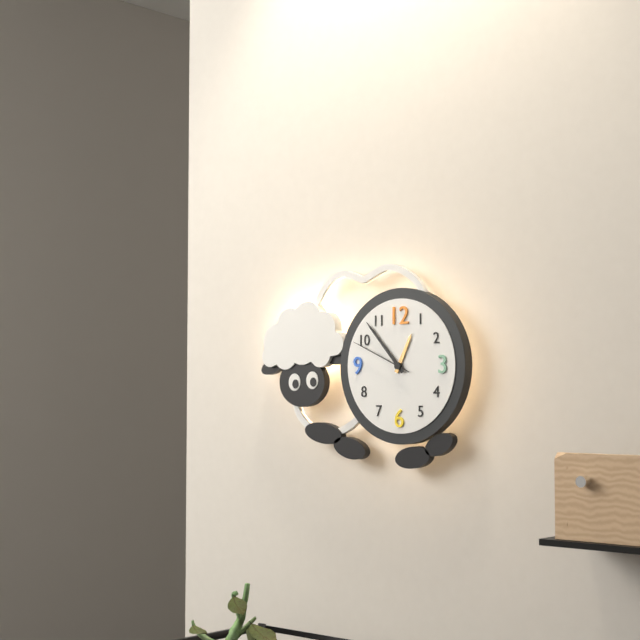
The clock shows {"hour": 12, "minute": 53, "second": 49}
